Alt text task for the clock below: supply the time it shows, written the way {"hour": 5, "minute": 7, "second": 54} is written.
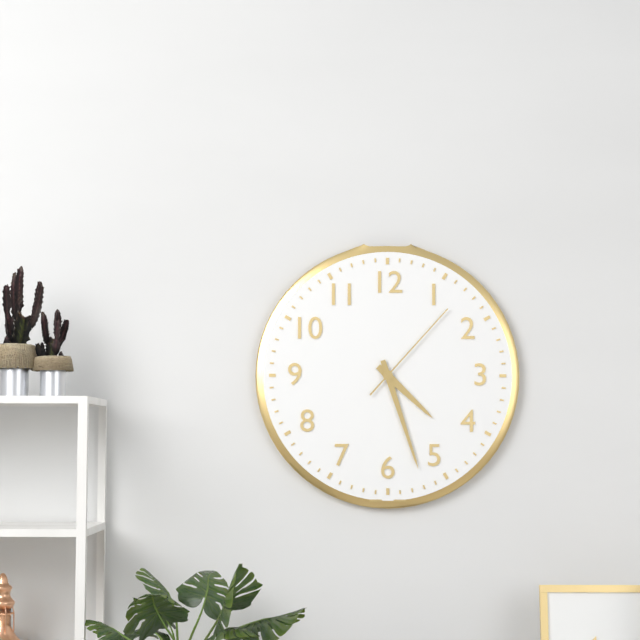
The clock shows {"hour": 4, "minute": 27, "second": 7}
